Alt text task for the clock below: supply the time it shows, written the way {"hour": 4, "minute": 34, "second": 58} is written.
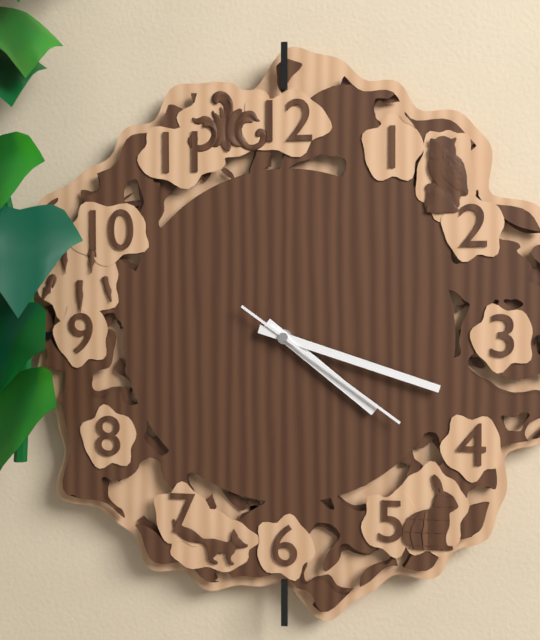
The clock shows {"hour": 4, "minute": 18, "second": 21}
